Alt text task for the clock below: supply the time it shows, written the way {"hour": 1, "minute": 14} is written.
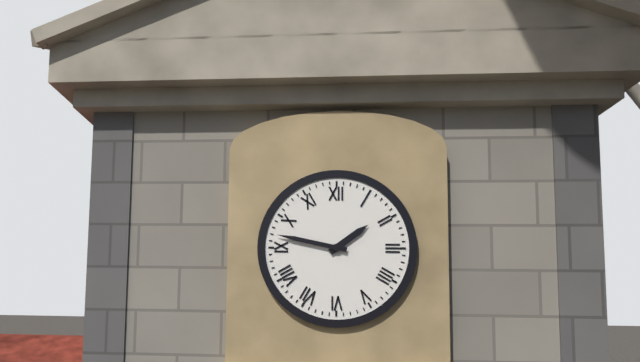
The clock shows {"hour": 1, "minute": 47}
